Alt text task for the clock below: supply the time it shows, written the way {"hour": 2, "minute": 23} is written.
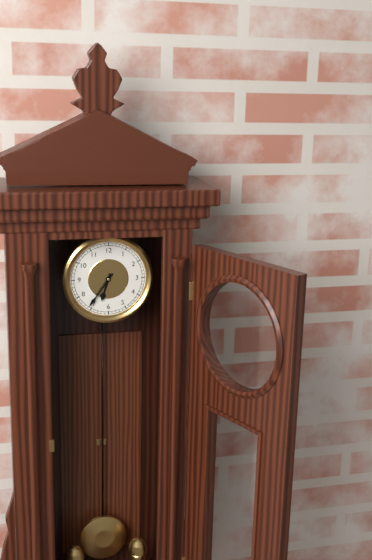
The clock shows {"hour": 6, "minute": 36}
